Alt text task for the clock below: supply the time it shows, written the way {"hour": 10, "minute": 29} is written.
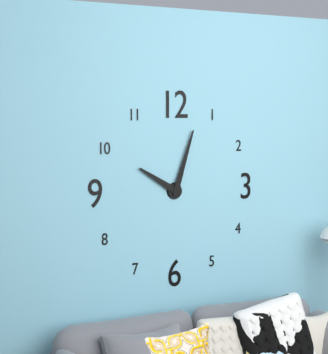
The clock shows {"hour": 10, "minute": 3}
